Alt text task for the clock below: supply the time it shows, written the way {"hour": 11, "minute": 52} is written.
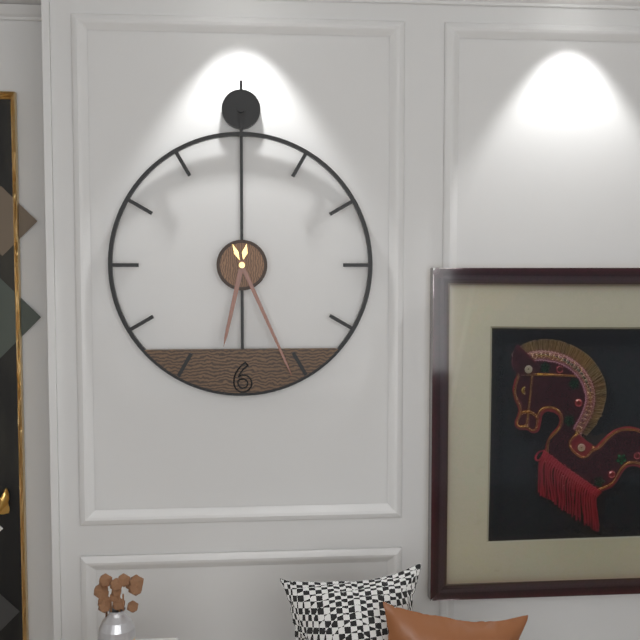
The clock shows {"hour": 6, "minute": 26}
